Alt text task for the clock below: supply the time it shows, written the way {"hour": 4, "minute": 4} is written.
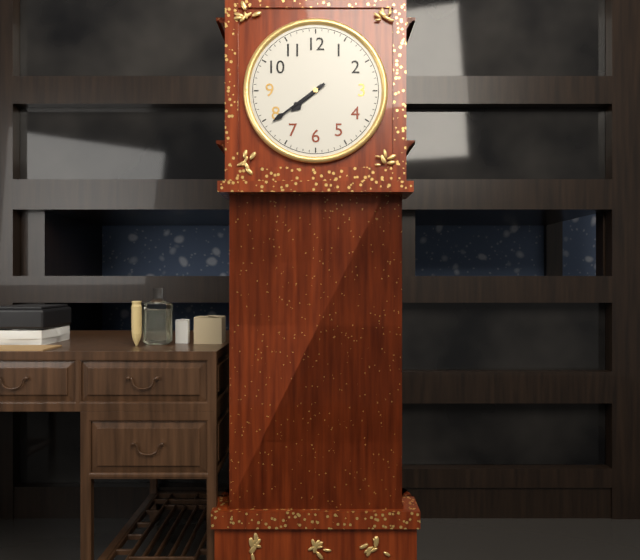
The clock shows {"hour": 7, "minute": 39}
